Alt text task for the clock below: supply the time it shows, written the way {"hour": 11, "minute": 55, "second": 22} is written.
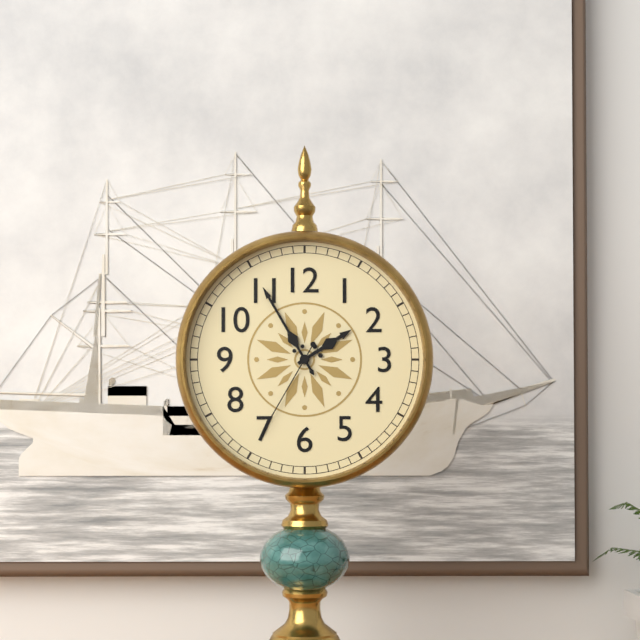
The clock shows {"hour": 1, "minute": 55, "second": 35}
